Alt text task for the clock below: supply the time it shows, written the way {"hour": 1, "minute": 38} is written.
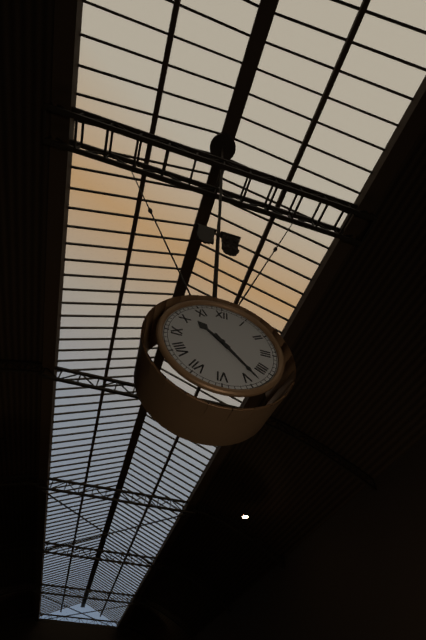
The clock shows {"hour": 10, "minute": 23}
